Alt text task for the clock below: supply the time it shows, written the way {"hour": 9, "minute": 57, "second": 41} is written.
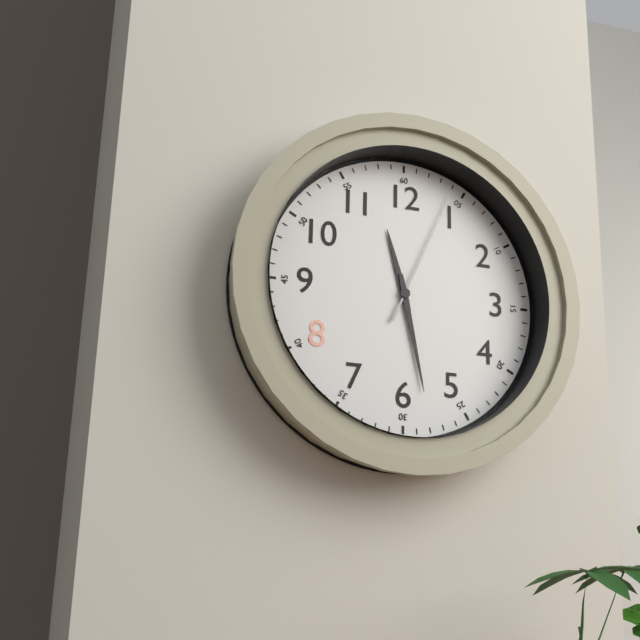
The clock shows {"hour": 11, "minute": 28, "second": 4}
